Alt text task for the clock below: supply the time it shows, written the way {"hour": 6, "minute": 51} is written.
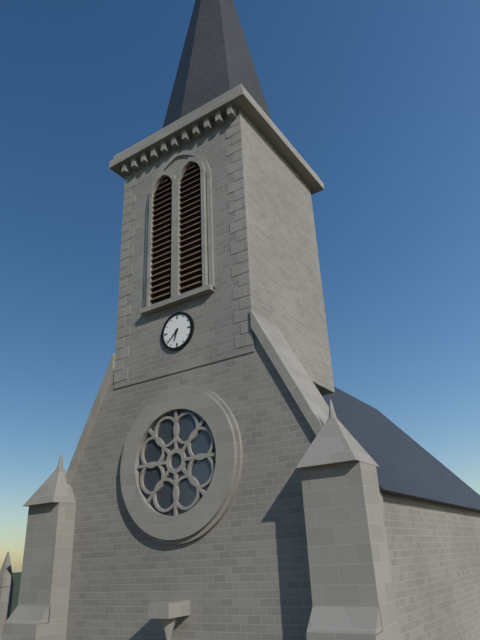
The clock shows {"hour": 6, "minute": 38}
